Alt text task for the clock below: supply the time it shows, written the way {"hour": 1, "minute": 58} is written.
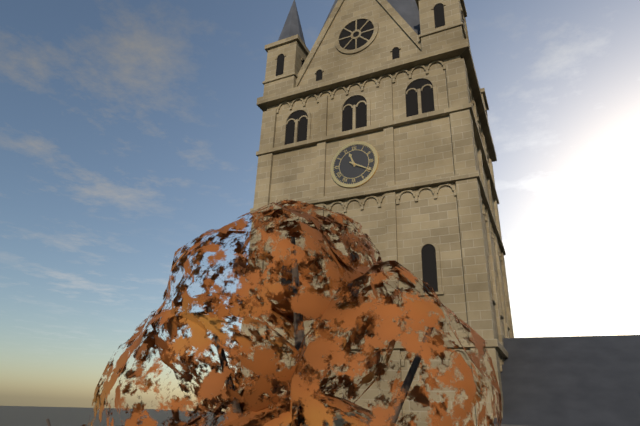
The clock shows {"hour": 11, "minute": 20}
